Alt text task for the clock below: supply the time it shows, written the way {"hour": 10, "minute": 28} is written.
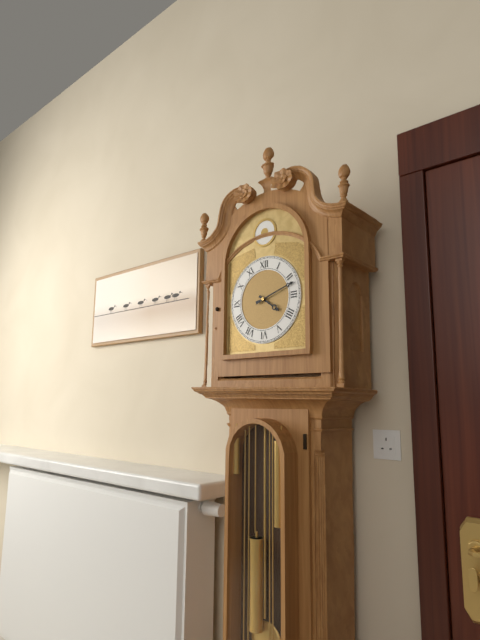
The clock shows {"hour": 4, "minute": 12}
